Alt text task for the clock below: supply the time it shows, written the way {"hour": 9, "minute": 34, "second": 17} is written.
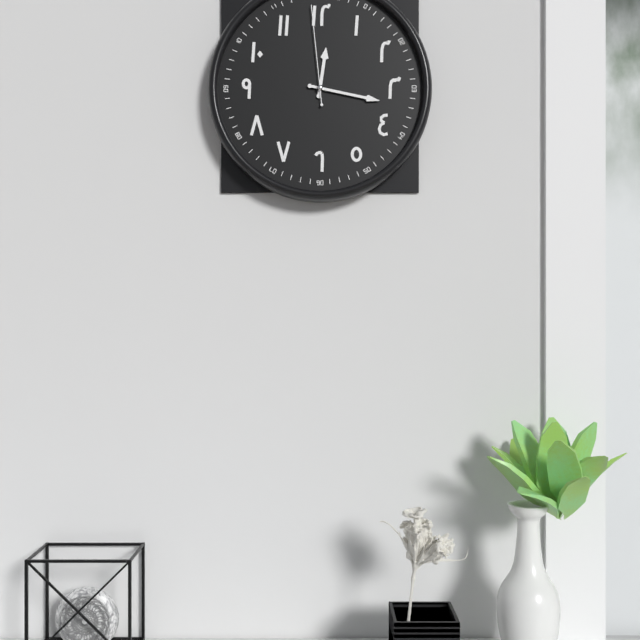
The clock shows {"hour": 12, "minute": 17, "second": 59}
